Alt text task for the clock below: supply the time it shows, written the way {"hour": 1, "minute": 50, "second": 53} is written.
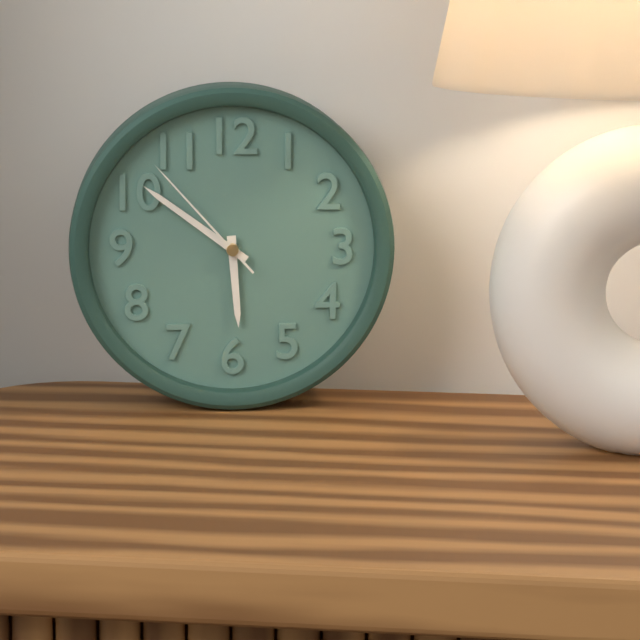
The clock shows {"hour": 5, "minute": 51, "second": 53}
